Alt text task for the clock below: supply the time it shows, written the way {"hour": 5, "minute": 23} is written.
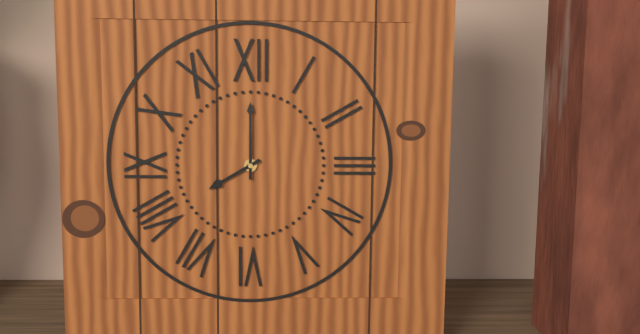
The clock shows {"hour": 8, "minute": 0}
